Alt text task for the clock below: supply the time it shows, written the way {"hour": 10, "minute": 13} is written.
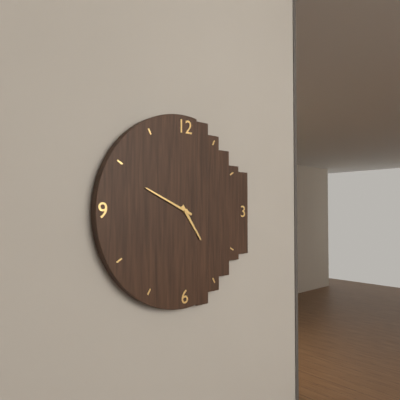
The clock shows {"hour": 4, "minute": 49}
